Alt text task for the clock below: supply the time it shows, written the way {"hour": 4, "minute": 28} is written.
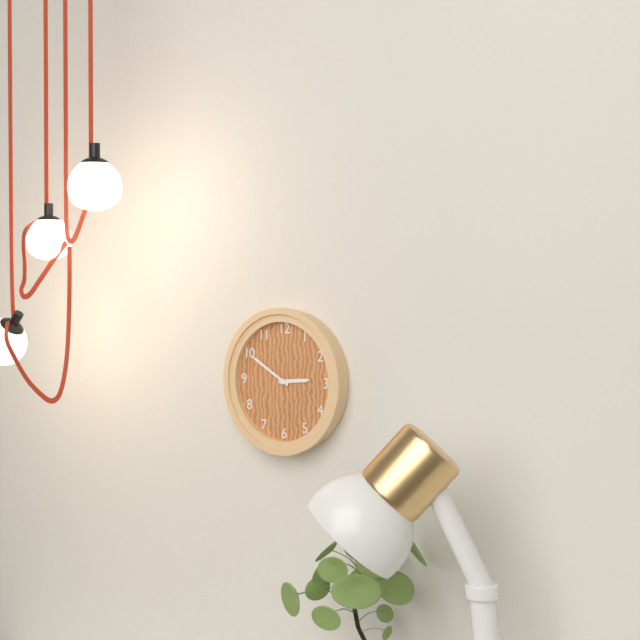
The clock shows {"hour": 2, "minute": 50}
